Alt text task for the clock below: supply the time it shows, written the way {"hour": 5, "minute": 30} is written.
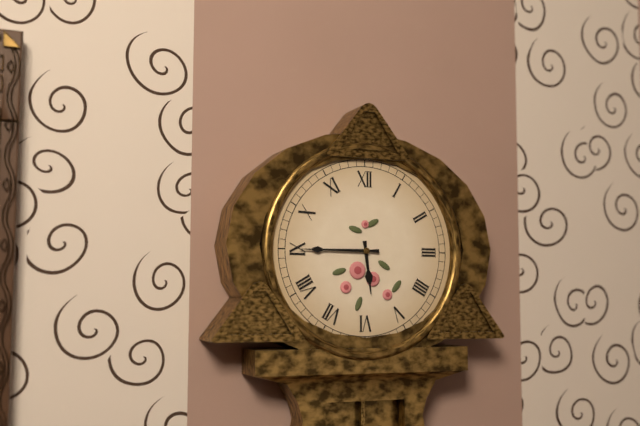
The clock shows {"hour": 5, "minute": 45}
